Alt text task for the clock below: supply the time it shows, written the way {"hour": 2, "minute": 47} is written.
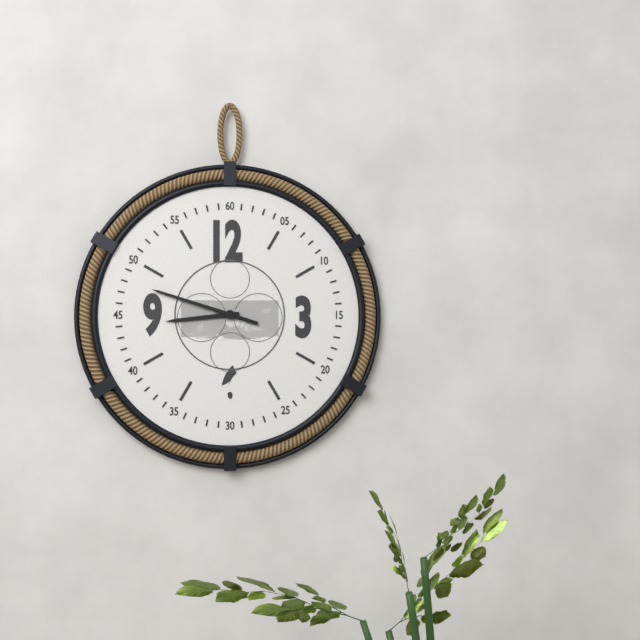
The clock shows {"hour": 8, "minute": 48}
